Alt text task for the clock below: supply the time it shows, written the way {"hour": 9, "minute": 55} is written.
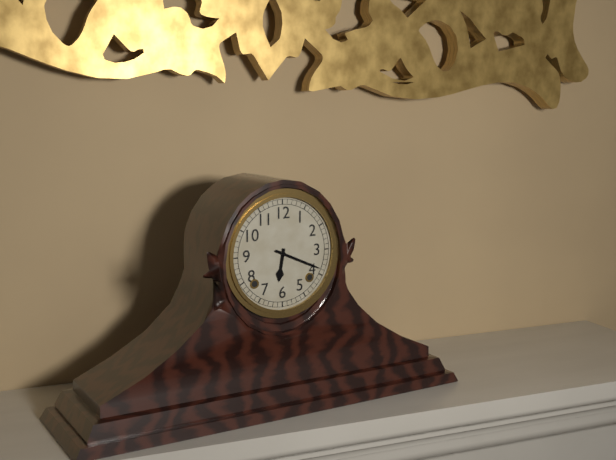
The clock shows {"hour": 6, "minute": 19}
